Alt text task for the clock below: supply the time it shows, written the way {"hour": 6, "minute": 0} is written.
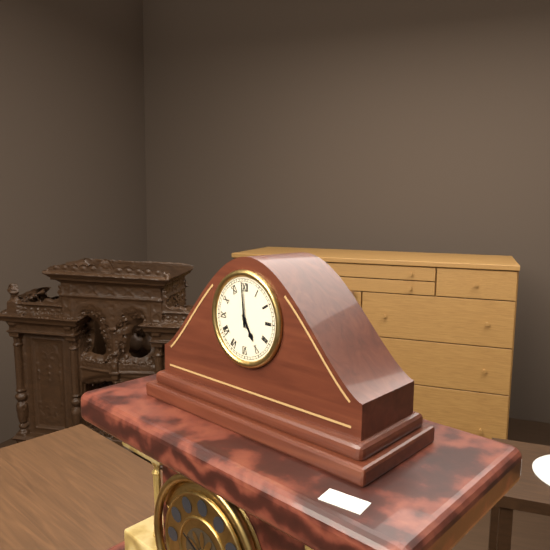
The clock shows {"hour": 4, "minute": 59}
